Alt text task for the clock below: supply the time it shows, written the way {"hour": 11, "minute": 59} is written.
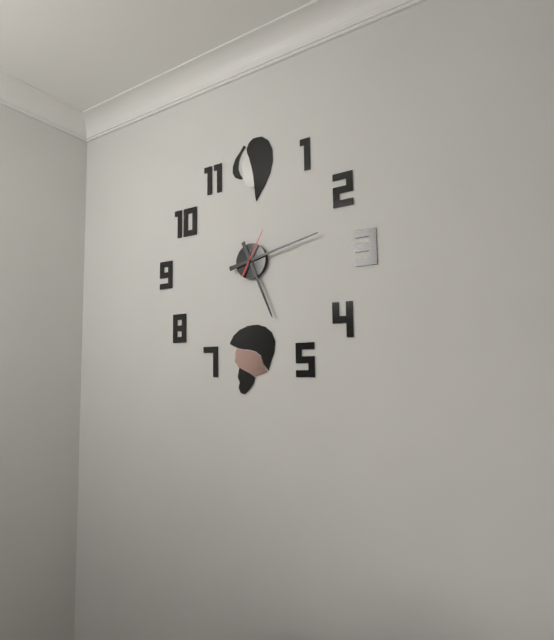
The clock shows {"hour": 5, "minute": 13}
